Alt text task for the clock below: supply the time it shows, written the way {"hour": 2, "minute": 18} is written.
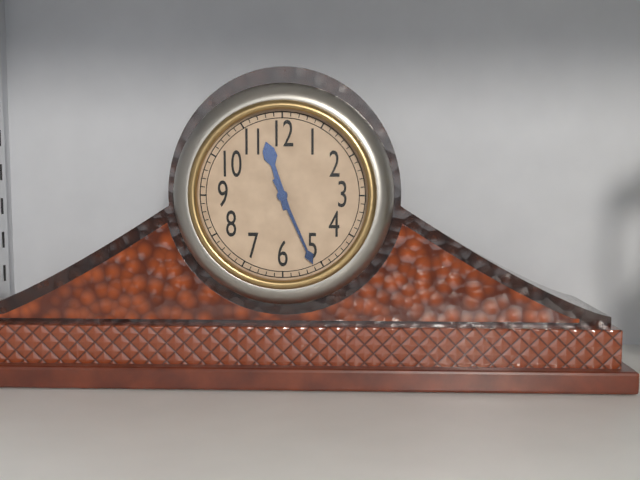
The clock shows {"hour": 11, "minute": 26}
